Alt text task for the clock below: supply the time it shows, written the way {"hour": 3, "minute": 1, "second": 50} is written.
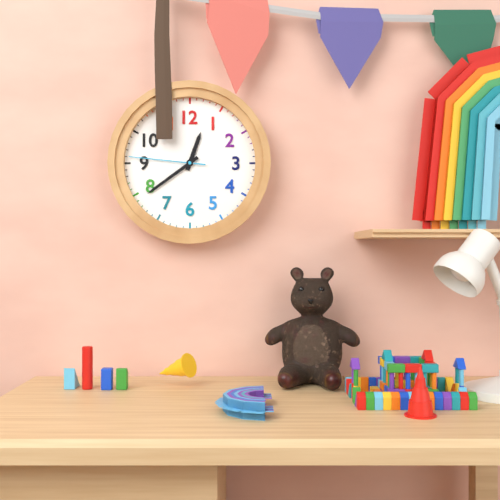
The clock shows {"hour": 12, "minute": 39, "second": 46}
